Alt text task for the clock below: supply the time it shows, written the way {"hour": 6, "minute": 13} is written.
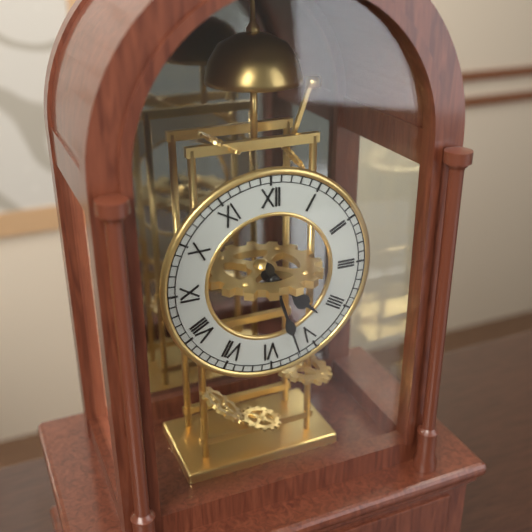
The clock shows {"hour": 4, "minute": 27}
